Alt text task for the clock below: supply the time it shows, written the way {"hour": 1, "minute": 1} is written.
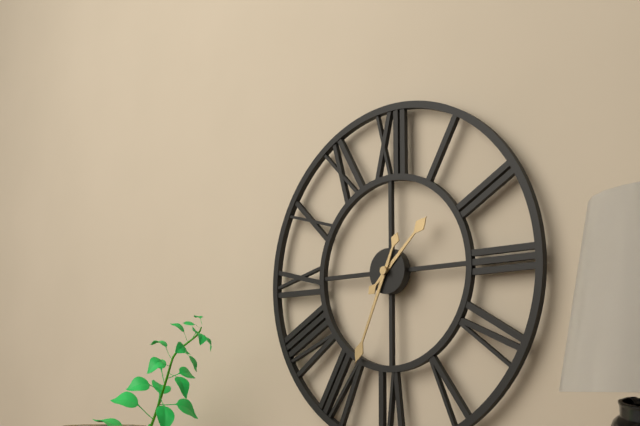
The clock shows {"hour": 1, "minute": 34}
